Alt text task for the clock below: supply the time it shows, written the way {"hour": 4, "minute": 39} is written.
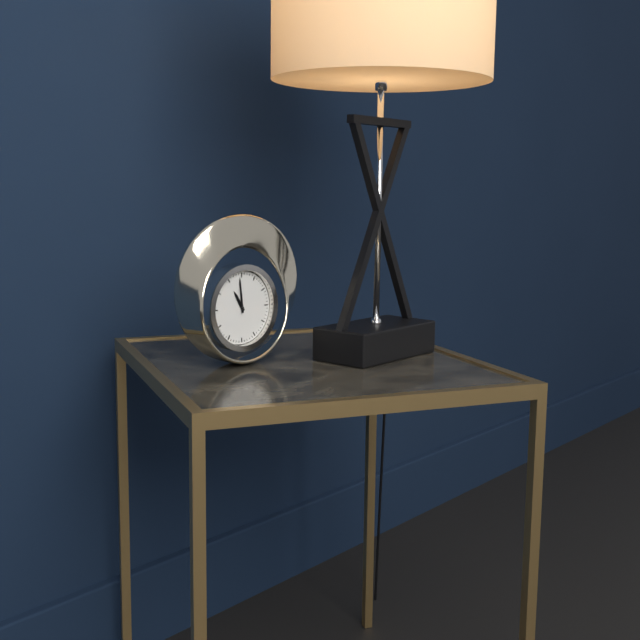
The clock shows {"hour": 10, "minute": 59}
